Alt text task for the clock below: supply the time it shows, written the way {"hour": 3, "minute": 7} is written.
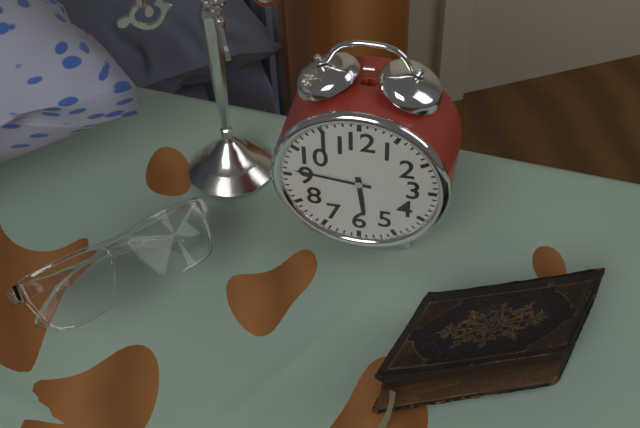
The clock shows {"hour": 5, "minute": 46}
